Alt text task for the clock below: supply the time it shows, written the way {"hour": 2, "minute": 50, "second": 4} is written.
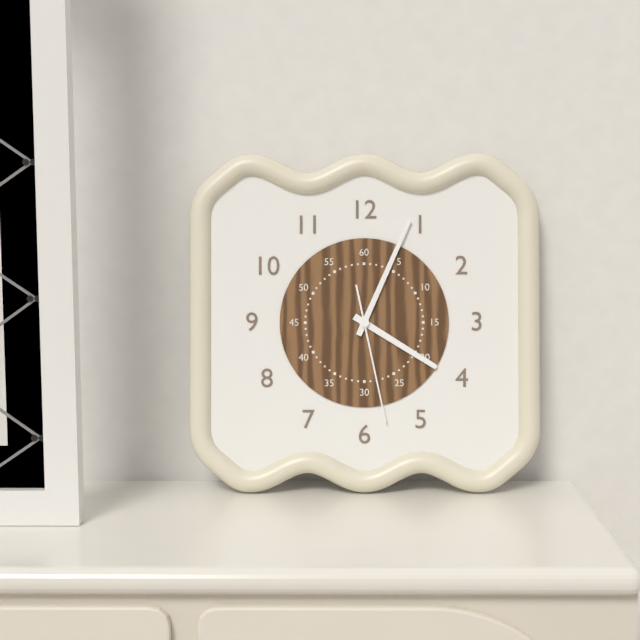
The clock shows {"hour": 4, "minute": 4, "second": 28}
